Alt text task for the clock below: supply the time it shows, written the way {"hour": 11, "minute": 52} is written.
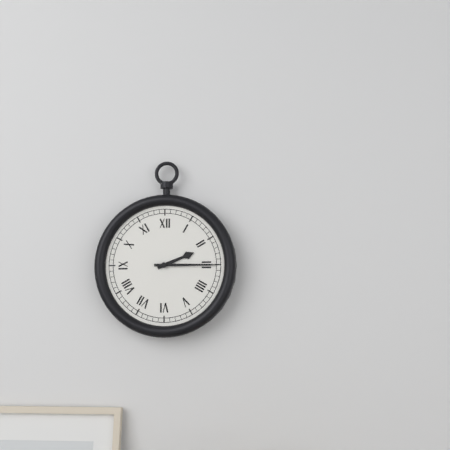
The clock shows {"hour": 2, "minute": 15}
